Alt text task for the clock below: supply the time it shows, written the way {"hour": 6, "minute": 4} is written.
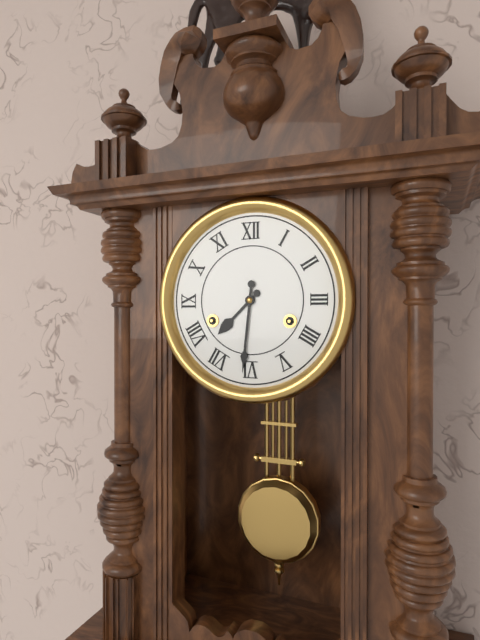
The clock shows {"hour": 7, "minute": 31}
